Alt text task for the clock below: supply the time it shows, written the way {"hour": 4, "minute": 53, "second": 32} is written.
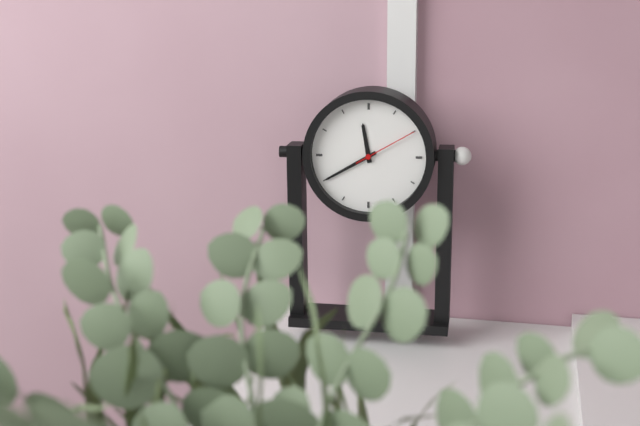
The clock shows {"hour": 11, "minute": 40, "second": 10}
